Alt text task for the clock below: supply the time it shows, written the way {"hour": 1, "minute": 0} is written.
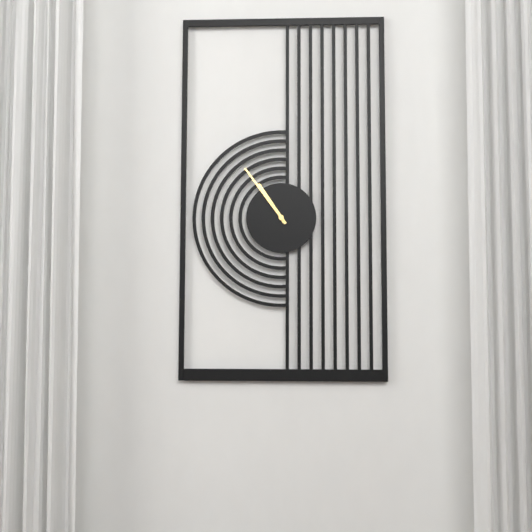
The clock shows {"hour": 10, "minute": 54}
